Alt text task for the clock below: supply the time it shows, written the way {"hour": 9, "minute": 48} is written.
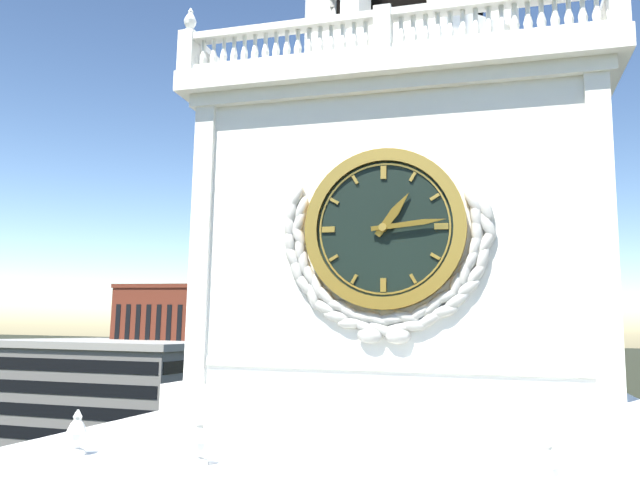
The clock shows {"hour": 1, "minute": 14}
